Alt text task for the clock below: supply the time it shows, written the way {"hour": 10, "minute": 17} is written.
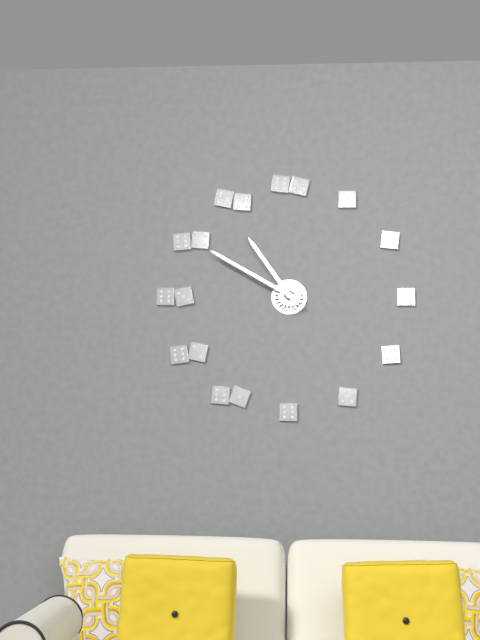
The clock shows {"hour": 10, "minute": 50}
